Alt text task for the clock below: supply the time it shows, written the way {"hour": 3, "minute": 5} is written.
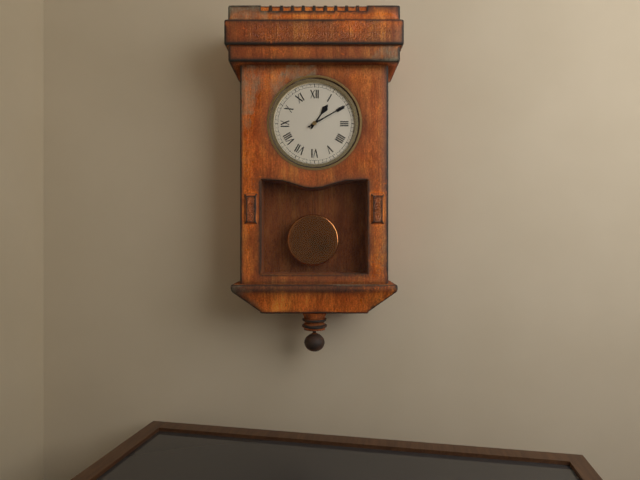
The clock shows {"hour": 1, "minute": 10}
